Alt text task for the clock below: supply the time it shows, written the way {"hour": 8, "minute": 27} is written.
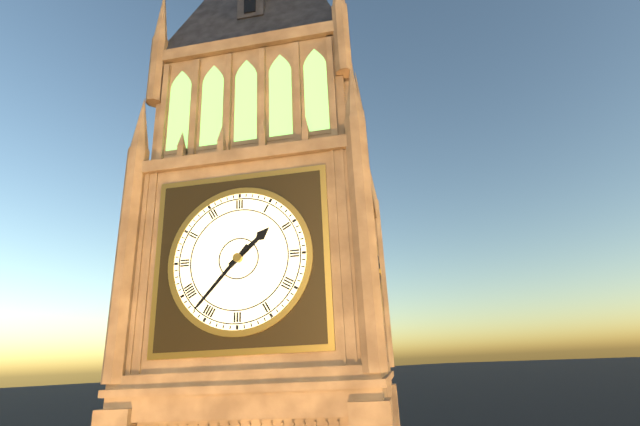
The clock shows {"hour": 1, "minute": 37}
